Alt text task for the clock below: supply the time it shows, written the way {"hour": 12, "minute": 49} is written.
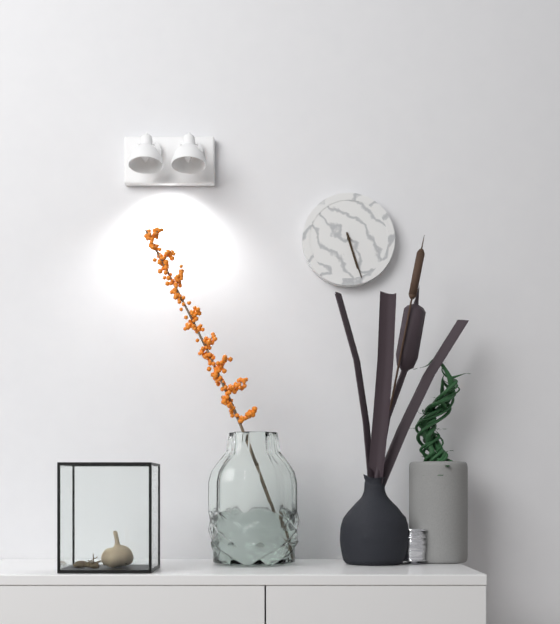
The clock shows {"hour": 5, "minute": 27}
